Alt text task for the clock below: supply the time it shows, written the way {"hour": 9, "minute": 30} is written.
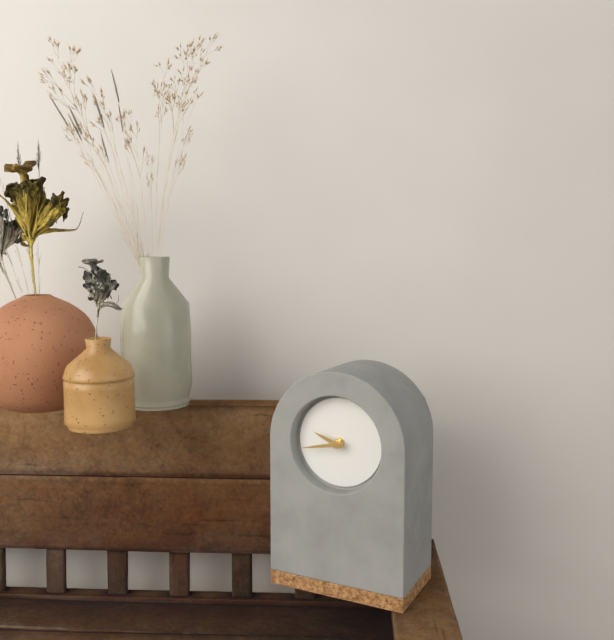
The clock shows {"hour": 9, "minute": 43}
